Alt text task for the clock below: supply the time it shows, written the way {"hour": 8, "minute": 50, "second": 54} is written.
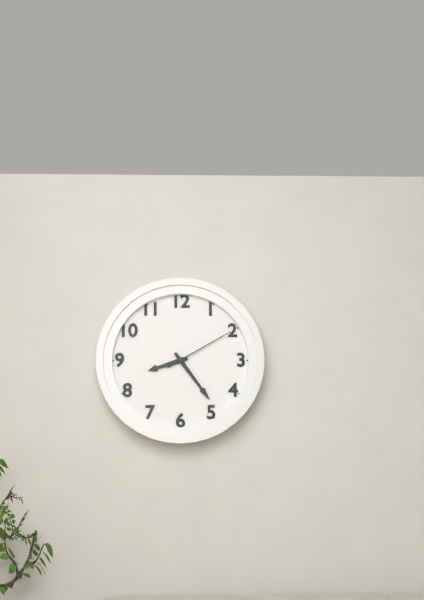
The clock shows {"hour": 8, "minute": 24, "second": 10}
